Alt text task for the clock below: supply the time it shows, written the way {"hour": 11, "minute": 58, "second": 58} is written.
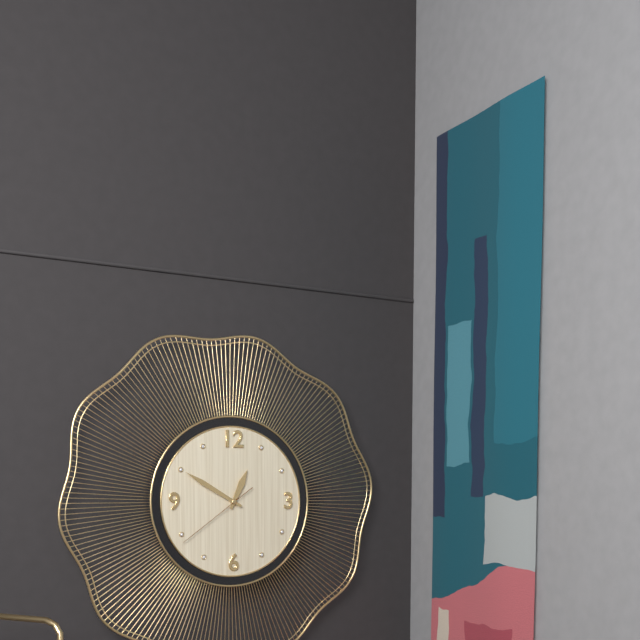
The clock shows {"hour": 12, "minute": 50, "second": 39}
